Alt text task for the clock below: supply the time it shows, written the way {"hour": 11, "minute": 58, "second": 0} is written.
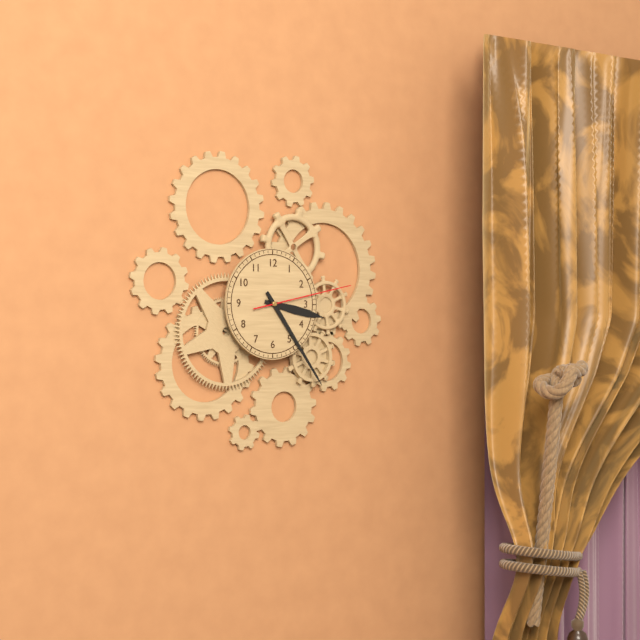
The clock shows {"hour": 3, "minute": 24, "second": 13}
